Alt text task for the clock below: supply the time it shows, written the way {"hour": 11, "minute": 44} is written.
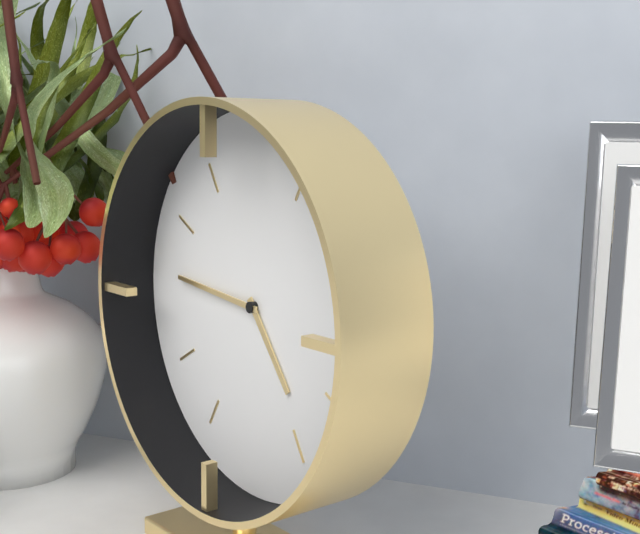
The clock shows {"hour": 4, "minute": 46}
